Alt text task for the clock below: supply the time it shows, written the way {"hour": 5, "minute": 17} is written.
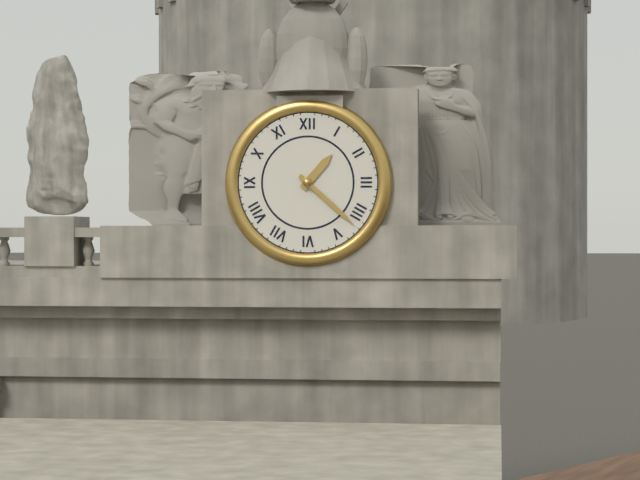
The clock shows {"hour": 1, "minute": 22}
